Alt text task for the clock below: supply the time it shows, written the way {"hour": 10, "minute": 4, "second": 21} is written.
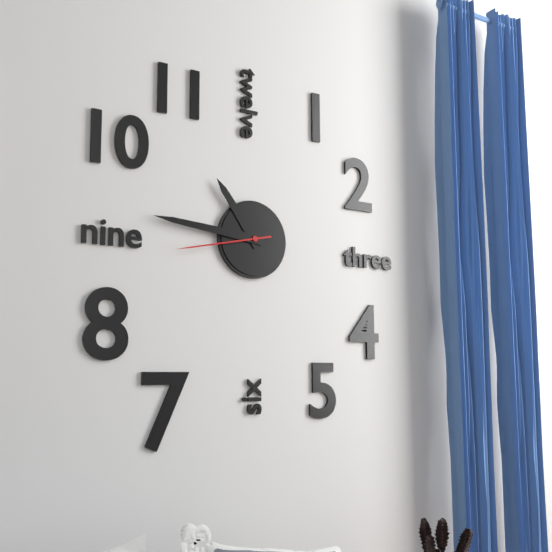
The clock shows {"hour": 10, "minute": 46, "second": 43}
